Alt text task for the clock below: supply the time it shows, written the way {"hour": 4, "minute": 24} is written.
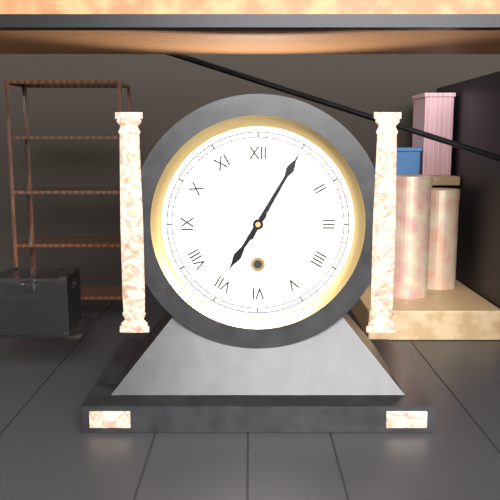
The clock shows {"hour": 7, "minute": 5}
